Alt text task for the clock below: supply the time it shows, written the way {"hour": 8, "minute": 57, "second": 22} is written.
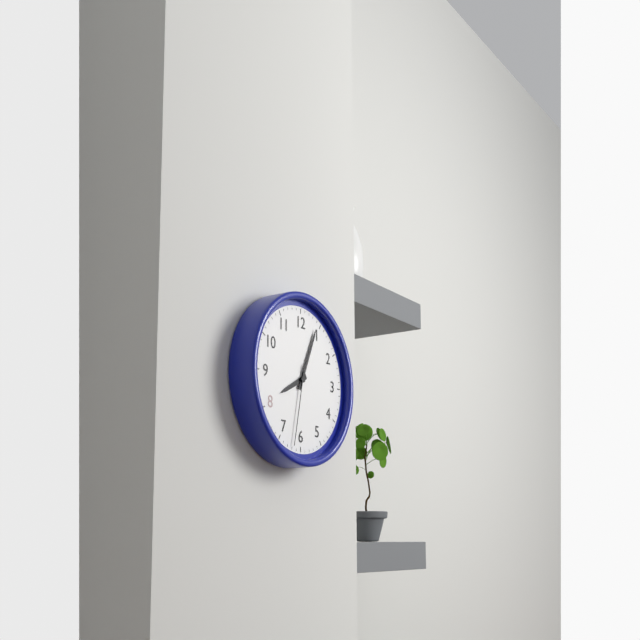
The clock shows {"hour": 8, "minute": 4, "second": 32}
